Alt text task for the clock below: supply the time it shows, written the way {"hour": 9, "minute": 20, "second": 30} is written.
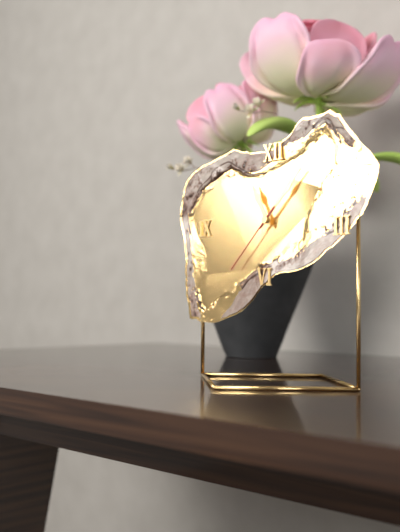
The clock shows {"hour": 11, "minute": 7, "second": 37}
